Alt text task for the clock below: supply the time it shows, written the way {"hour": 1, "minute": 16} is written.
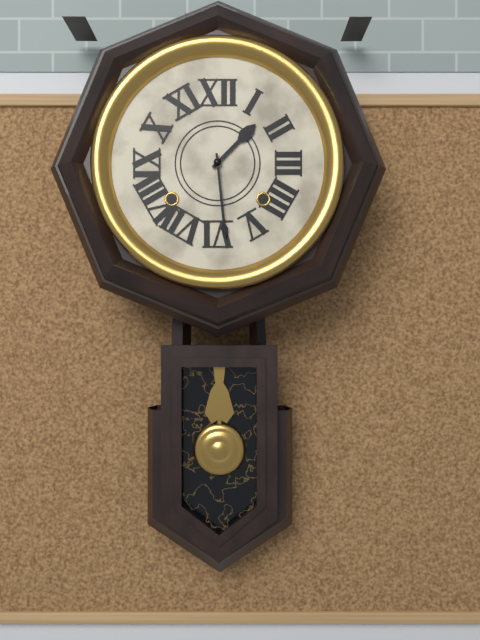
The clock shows {"hour": 1, "minute": 29}
